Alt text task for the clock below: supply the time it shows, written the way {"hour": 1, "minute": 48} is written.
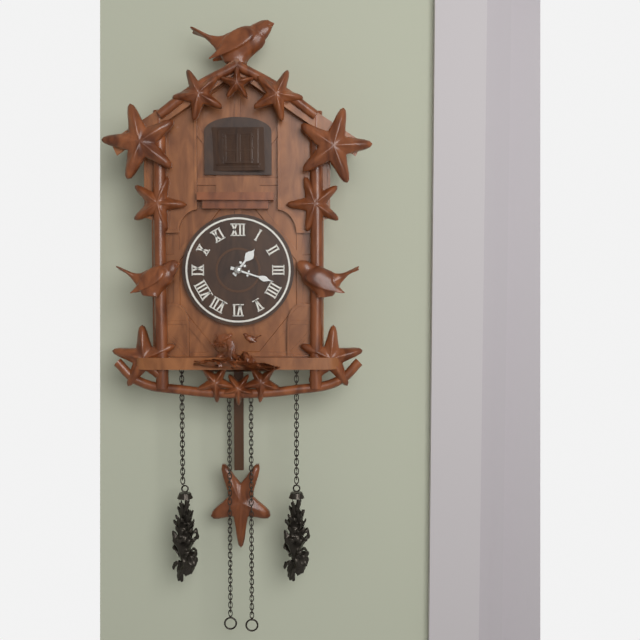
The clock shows {"hour": 1, "minute": 18}
